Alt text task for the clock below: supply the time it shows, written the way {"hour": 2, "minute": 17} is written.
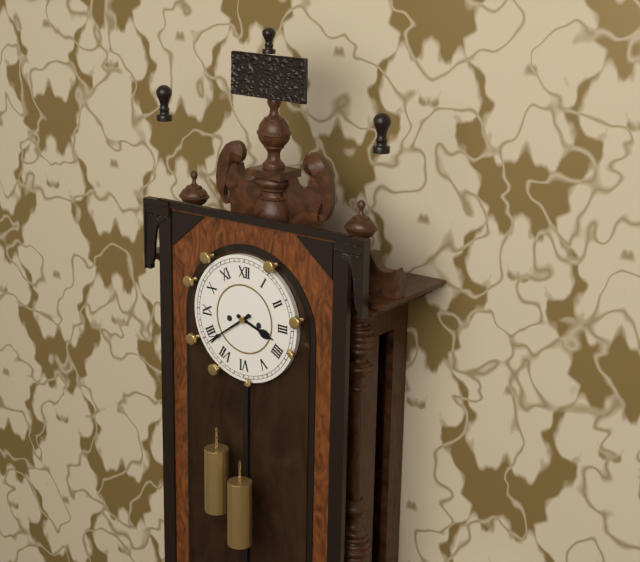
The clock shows {"hour": 3, "minute": 39}
